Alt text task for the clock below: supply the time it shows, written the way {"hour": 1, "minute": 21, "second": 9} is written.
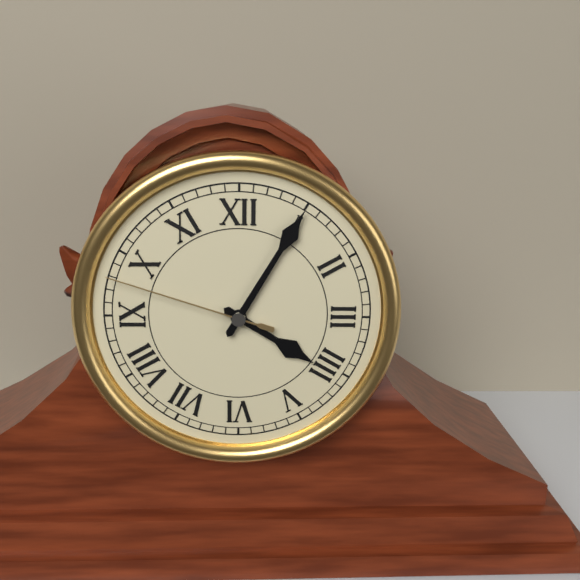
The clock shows {"hour": 4, "minute": 5, "second": 48}
